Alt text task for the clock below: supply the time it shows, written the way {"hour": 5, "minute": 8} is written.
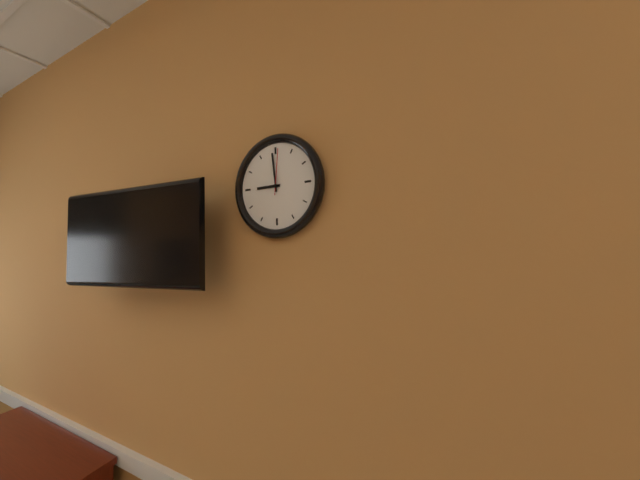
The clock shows {"hour": 8, "minute": 59}
